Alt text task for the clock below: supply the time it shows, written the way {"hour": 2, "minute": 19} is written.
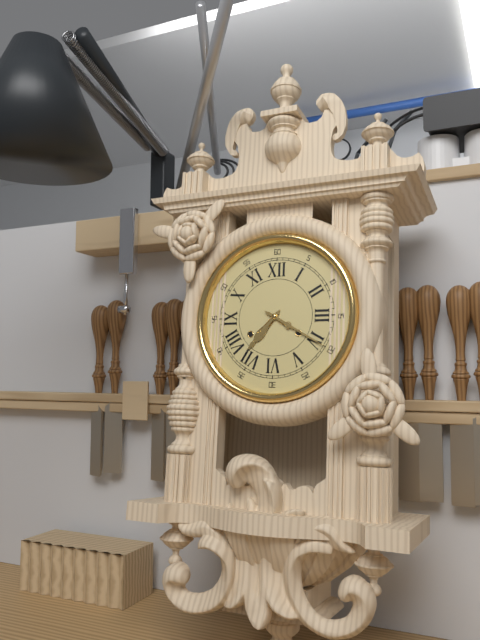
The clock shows {"hour": 7, "minute": 20}
